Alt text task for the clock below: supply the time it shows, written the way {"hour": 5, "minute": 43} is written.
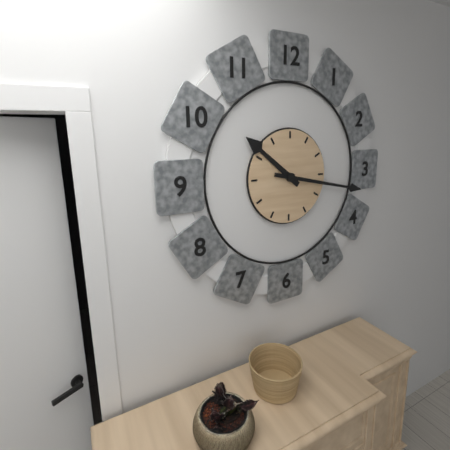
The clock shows {"hour": 10, "minute": 17}
